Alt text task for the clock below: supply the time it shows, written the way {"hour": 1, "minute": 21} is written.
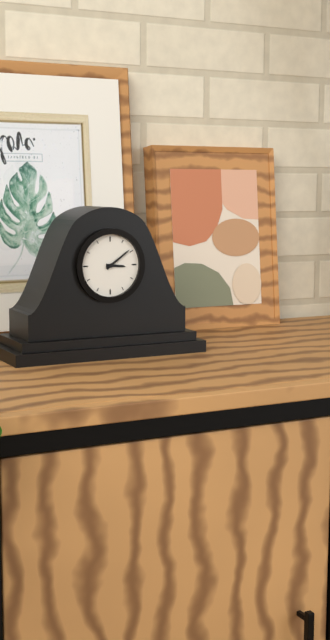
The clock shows {"hour": 3, "minute": 9}
